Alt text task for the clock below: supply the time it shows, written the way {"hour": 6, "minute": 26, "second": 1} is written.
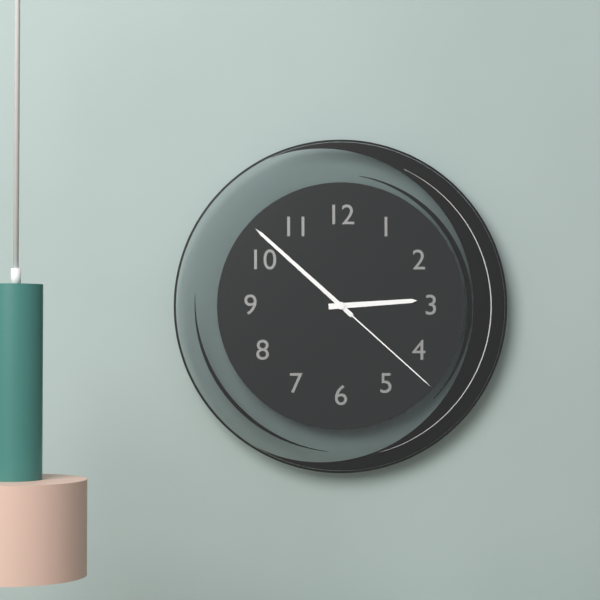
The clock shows {"hour": 2, "minute": 52, "second": 22}
